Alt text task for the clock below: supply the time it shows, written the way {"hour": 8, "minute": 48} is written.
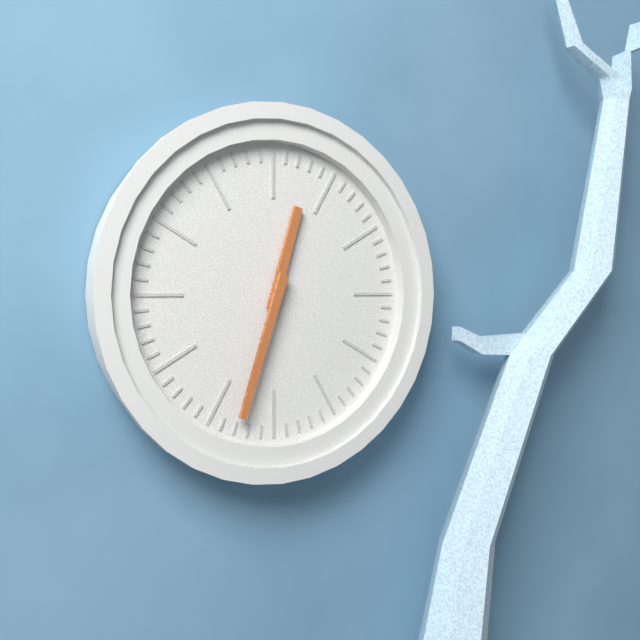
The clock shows {"hour": 12, "minute": 33}
